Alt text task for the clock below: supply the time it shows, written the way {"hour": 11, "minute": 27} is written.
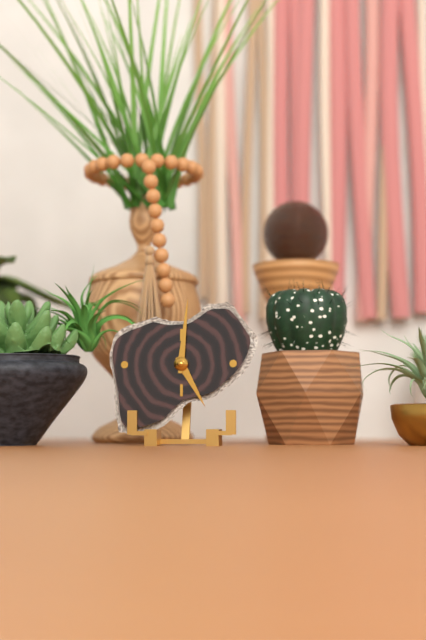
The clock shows {"hour": 5, "minute": 1}
